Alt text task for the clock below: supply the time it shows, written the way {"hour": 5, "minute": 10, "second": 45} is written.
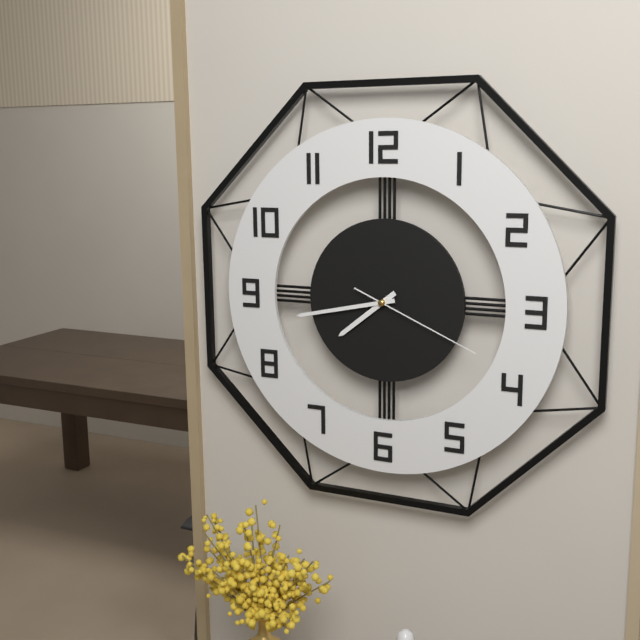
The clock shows {"hour": 7, "minute": 43, "second": 19}
